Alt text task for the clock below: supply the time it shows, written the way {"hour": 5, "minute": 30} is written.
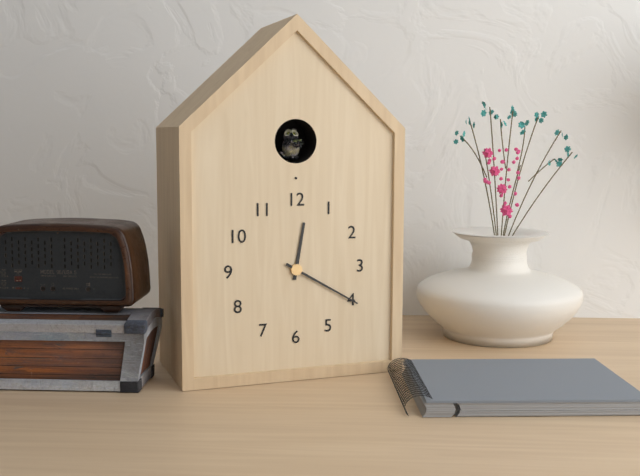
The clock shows {"hour": 12, "minute": 20}
